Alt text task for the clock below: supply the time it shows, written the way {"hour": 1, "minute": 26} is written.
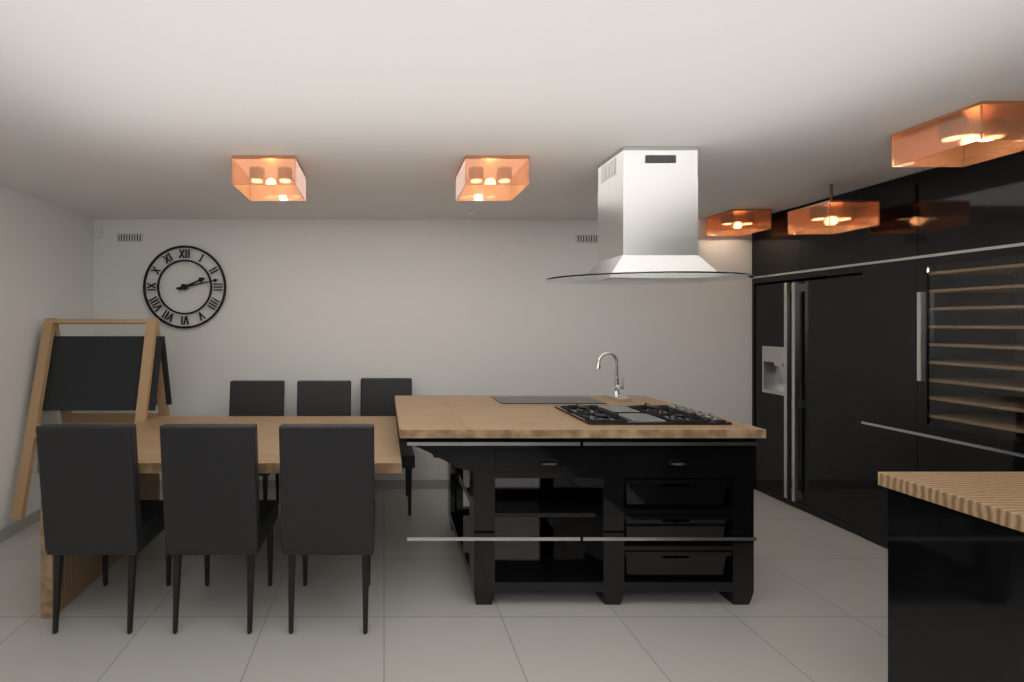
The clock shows {"hour": 2, "minute": 13}
